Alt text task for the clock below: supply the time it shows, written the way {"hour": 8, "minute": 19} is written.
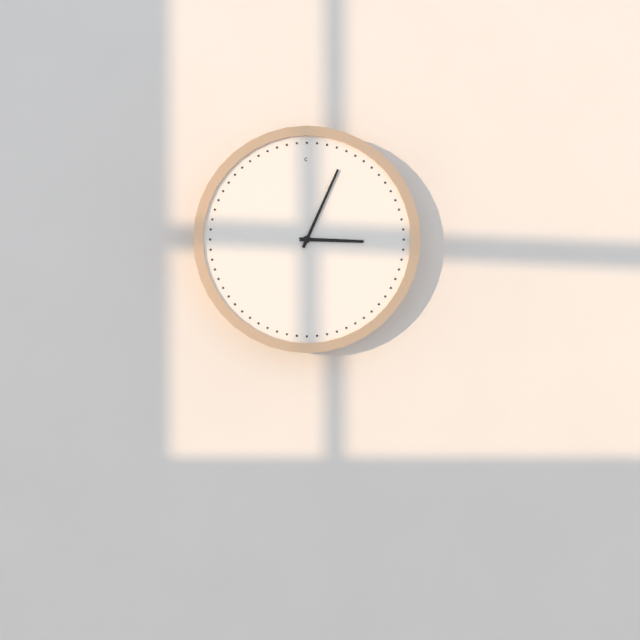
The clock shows {"hour": 3, "minute": 4}
